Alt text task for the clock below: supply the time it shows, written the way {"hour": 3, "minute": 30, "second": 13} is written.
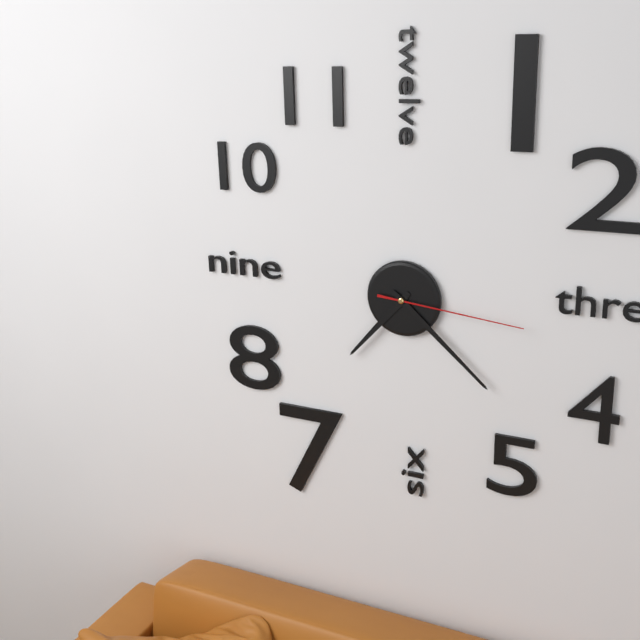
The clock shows {"hour": 7, "minute": 22, "second": 16}
